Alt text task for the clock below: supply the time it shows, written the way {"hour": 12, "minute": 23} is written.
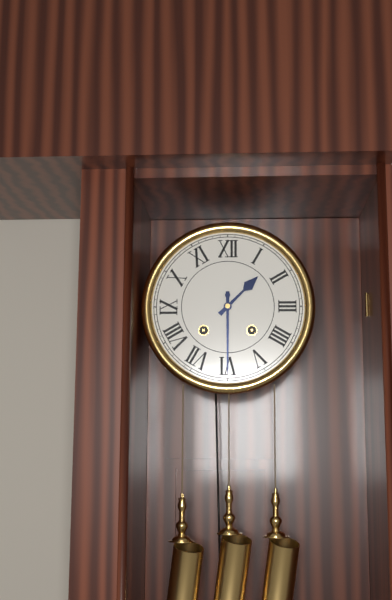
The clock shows {"hour": 1, "minute": 30}
